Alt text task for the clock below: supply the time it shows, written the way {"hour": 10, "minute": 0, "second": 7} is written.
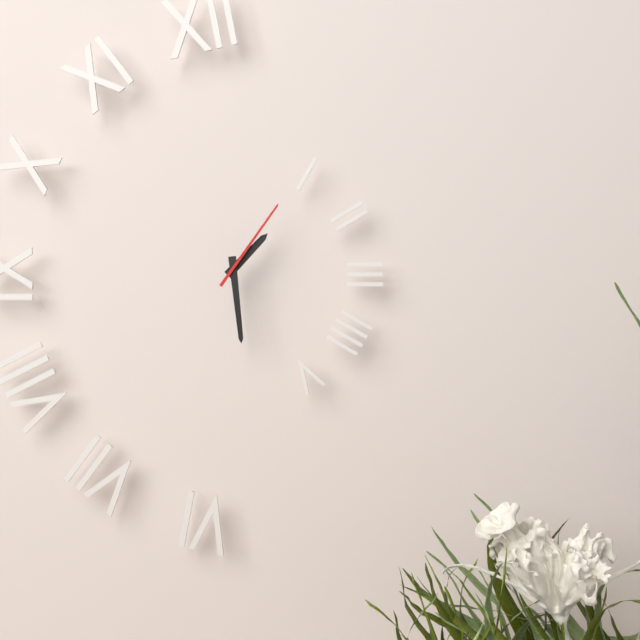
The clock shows {"hour": 1, "minute": 29, "second": 6}
